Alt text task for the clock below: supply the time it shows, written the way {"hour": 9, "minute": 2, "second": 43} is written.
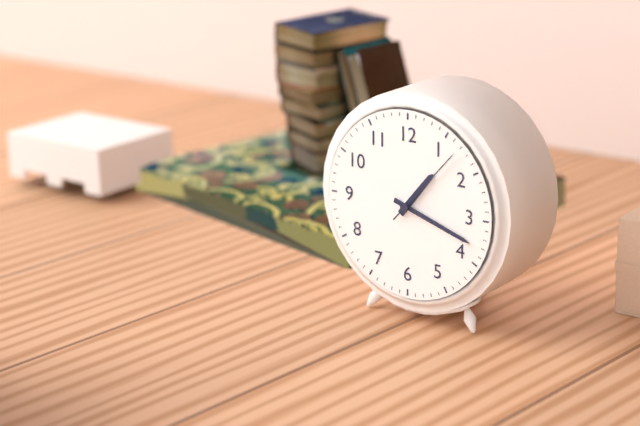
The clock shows {"hour": 1, "minute": 18, "second": 7}
